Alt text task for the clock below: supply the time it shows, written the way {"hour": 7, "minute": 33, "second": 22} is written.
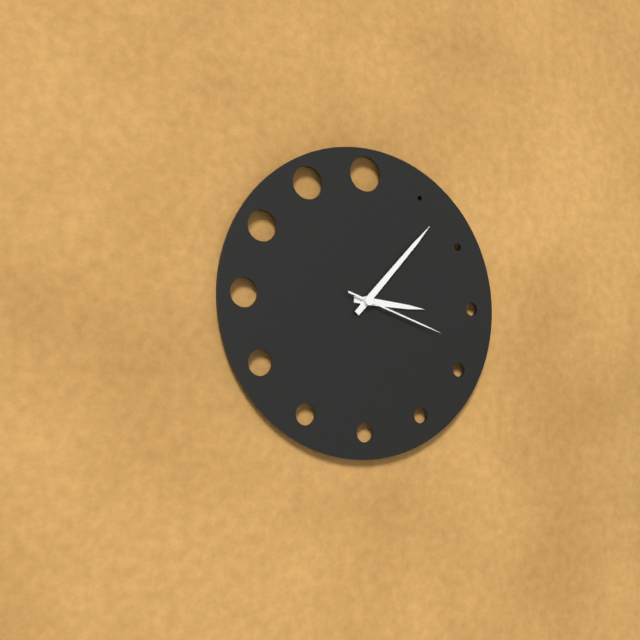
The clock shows {"hour": 3, "minute": 7, "second": 18}
